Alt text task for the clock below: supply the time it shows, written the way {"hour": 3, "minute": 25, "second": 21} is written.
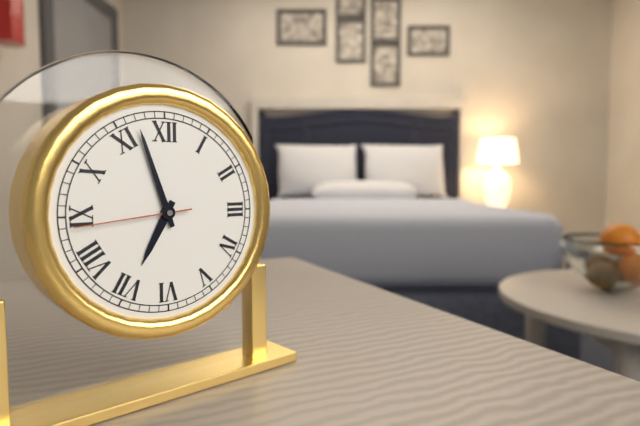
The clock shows {"hour": 6, "minute": 57, "second": 44}
